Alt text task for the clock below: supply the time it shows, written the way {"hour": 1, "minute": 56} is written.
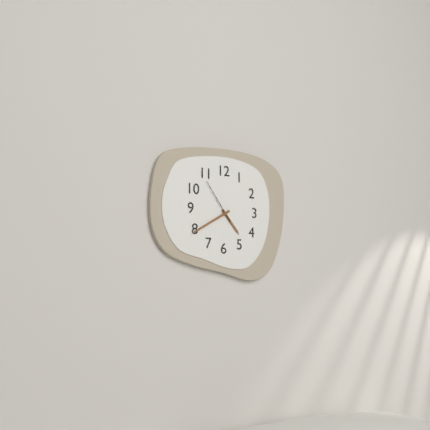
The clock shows {"hour": 4, "minute": 40}
